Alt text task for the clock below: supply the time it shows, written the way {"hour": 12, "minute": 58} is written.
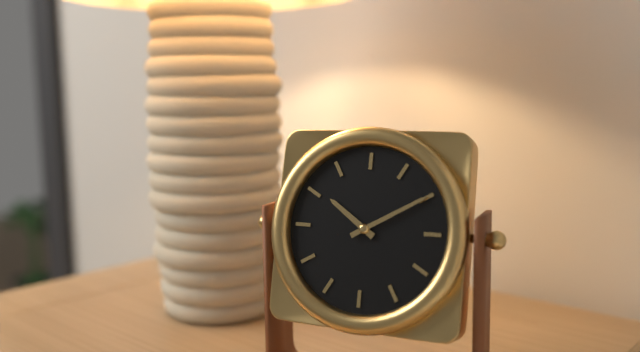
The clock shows {"hour": 10, "minute": 10}
